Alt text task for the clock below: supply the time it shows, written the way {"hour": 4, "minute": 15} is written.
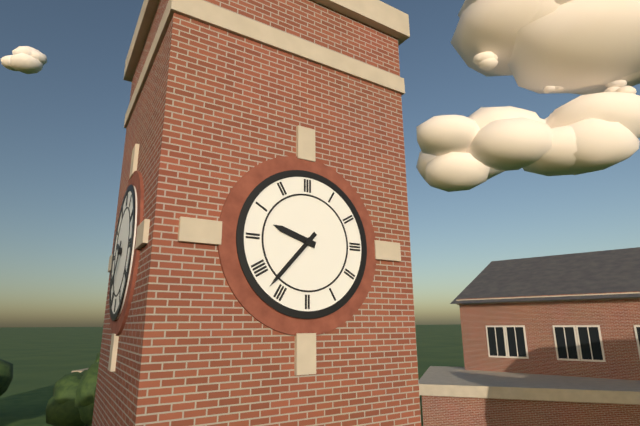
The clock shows {"hour": 9, "minute": 37}
